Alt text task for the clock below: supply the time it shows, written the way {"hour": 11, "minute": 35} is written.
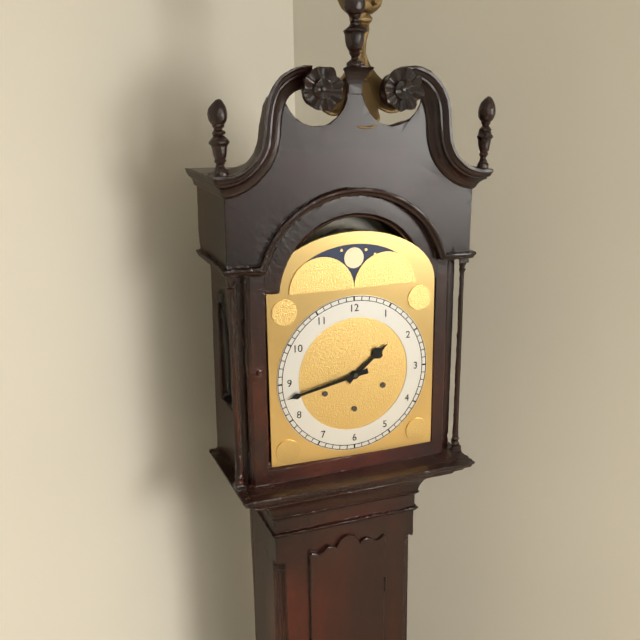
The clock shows {"hour": 1, "minute": 43}
